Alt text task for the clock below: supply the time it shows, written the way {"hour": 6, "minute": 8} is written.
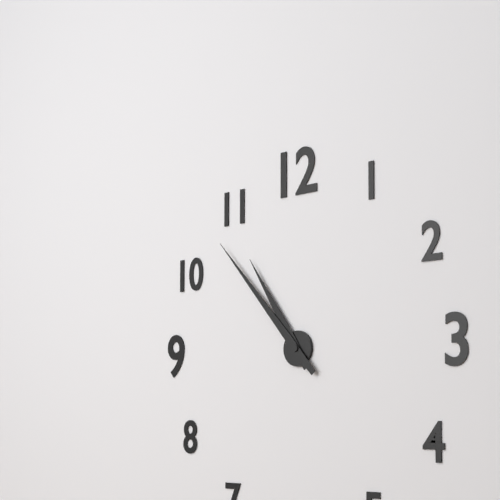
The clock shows {"hour": 10, "minute": 53}
